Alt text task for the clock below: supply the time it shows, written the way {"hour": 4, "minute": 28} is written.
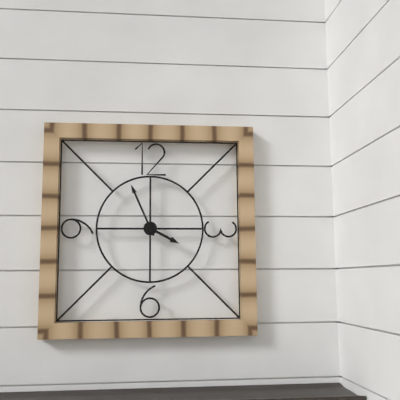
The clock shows {"hour": 3, "minute": 56}
